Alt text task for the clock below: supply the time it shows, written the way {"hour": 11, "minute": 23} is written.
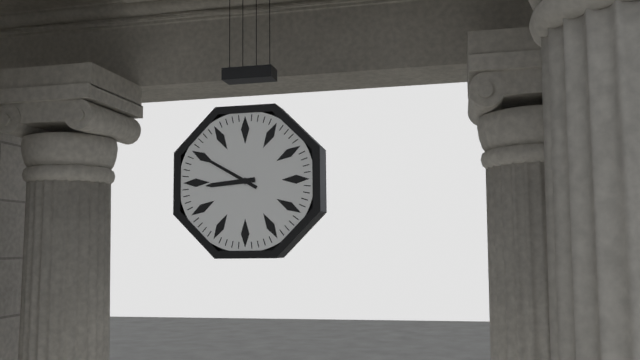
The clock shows {"hour": 8, "minute": 50}
